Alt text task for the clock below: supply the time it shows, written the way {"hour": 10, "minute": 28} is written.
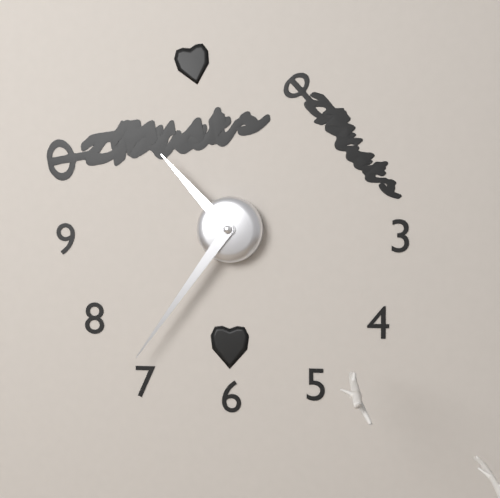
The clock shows {"hour": 10, "minute": 36}
